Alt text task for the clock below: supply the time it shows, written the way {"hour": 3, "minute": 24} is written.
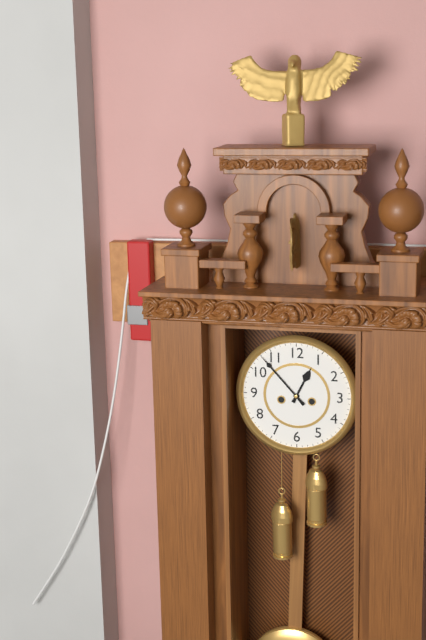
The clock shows {"hour": 12, "minute": 53}
